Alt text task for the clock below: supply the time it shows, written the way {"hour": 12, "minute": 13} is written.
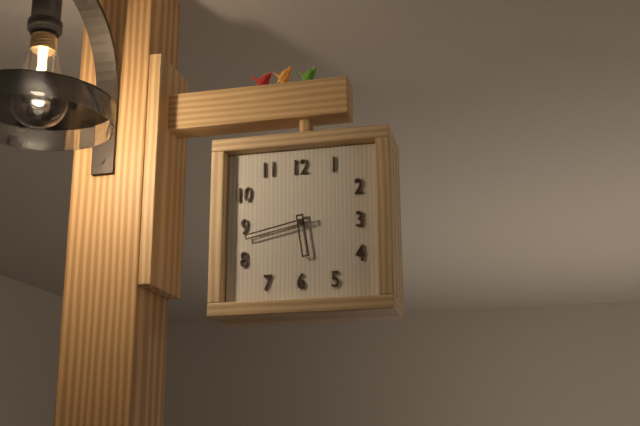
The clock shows {"hour": 5, "minute": 43}
